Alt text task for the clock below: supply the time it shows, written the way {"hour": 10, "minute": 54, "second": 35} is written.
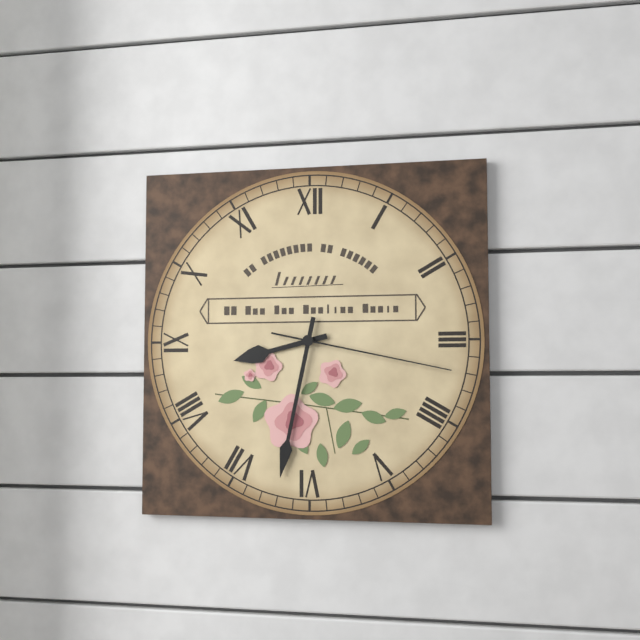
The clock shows {"hour": 8, "minute": 32, "second": 17}
